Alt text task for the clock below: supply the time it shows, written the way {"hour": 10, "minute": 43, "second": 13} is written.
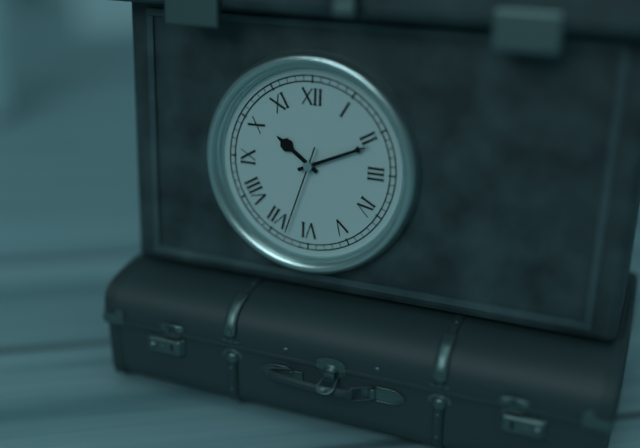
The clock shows {"hour": 10, "minute": 11, "second": 33}
